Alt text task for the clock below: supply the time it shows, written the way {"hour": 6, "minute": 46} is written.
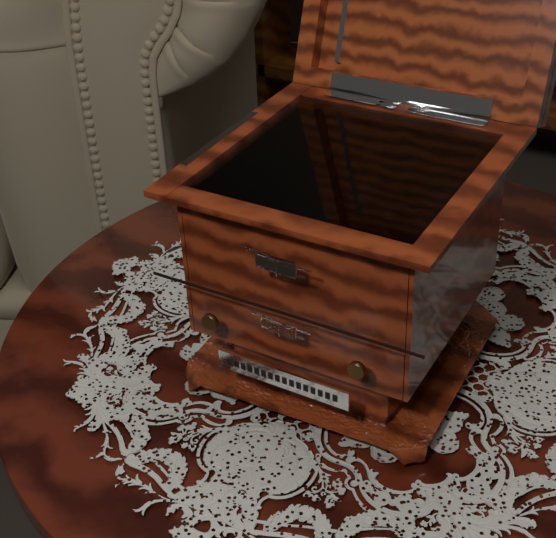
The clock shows {"hour": 12, "minute": 11}
